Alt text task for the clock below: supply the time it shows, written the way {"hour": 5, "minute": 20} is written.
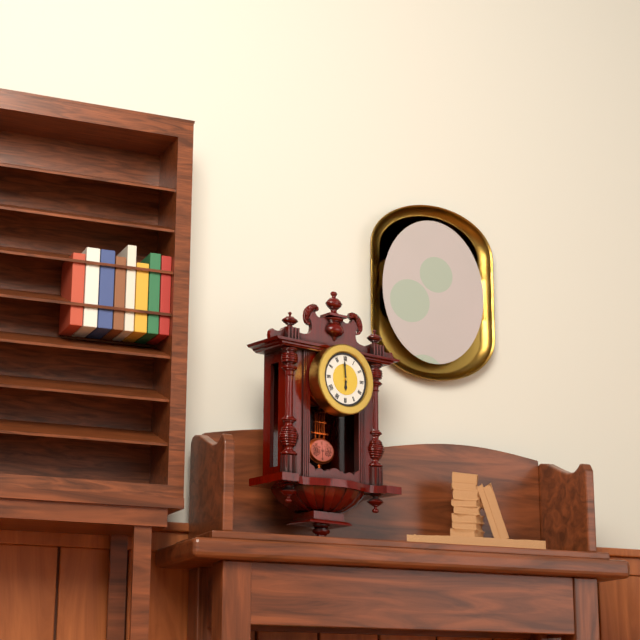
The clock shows {"hour": 5, "minute": 59}
